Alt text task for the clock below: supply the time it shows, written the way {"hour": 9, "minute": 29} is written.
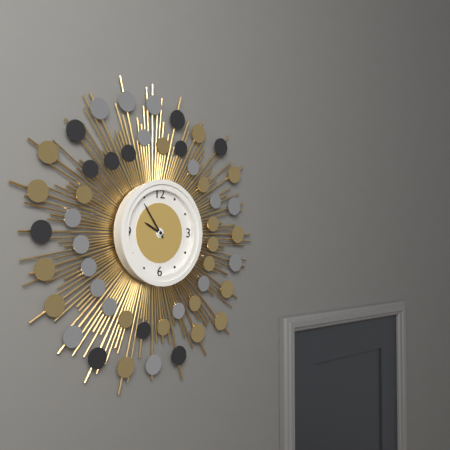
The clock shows {"hour": 9, "minute": 54}
